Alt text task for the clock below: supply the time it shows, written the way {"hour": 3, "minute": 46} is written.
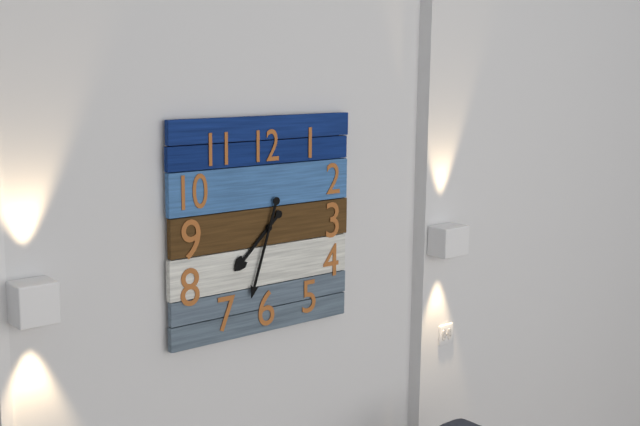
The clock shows {"hour": 7, "minute": 33}
